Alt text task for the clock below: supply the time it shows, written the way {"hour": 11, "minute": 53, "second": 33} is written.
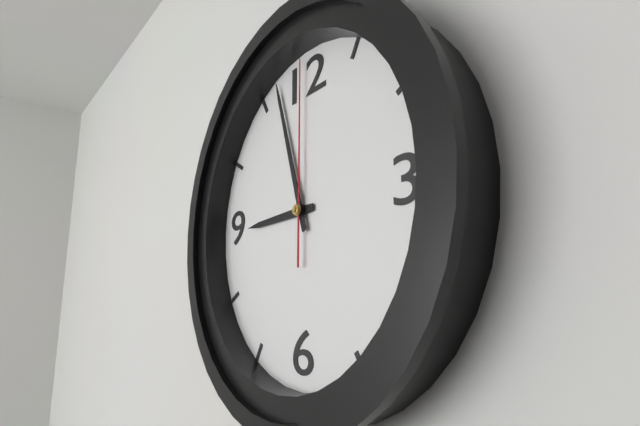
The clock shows {"hour": 8, "minute": 57, "second": 0}
